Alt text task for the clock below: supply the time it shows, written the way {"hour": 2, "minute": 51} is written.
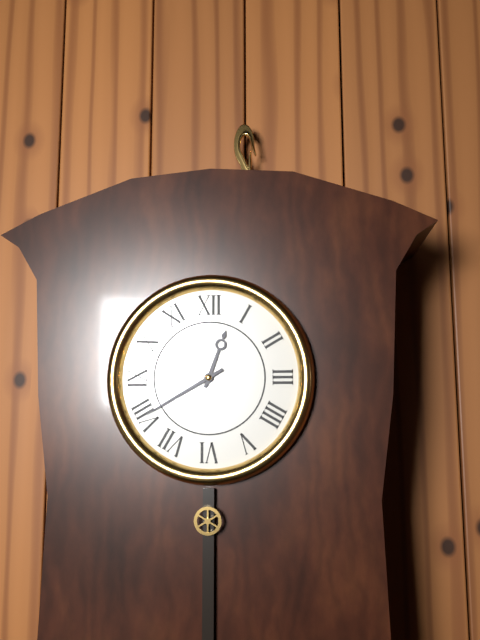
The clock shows {"hour": 12, "minute": 40}
